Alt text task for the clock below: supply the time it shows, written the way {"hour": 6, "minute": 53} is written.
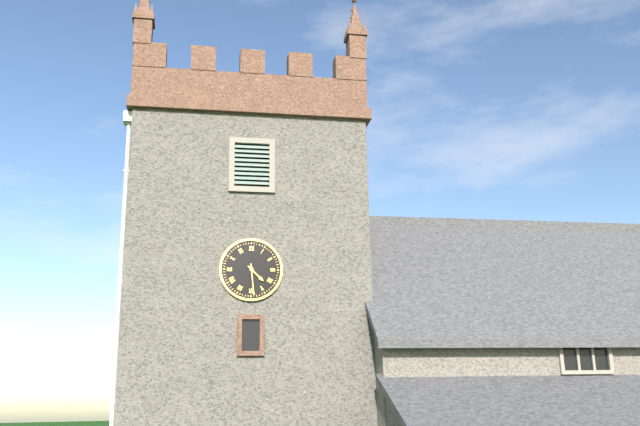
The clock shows {"hour": 4, "minute": 29}
